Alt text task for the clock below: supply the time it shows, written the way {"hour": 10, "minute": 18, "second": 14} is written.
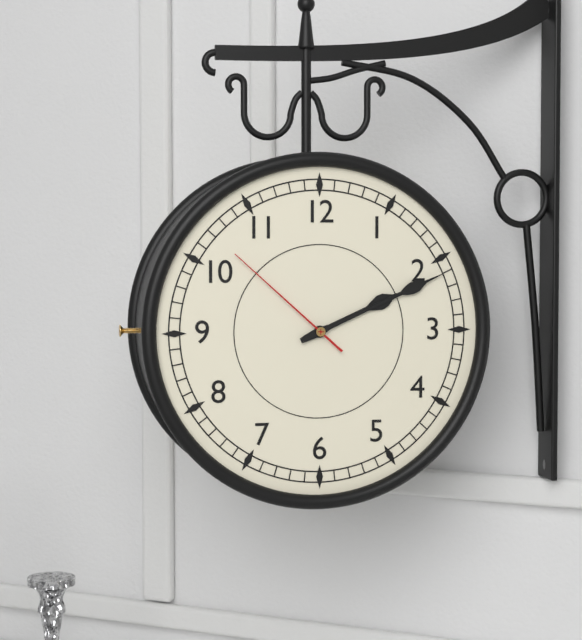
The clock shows {"hour": 2, "minute": 11, "second": 52}
